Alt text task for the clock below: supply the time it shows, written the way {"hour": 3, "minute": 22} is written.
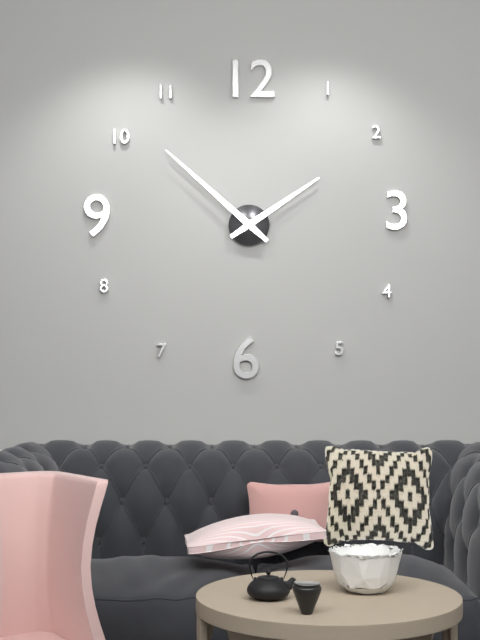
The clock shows {"hour": 1, "minute": 52}
